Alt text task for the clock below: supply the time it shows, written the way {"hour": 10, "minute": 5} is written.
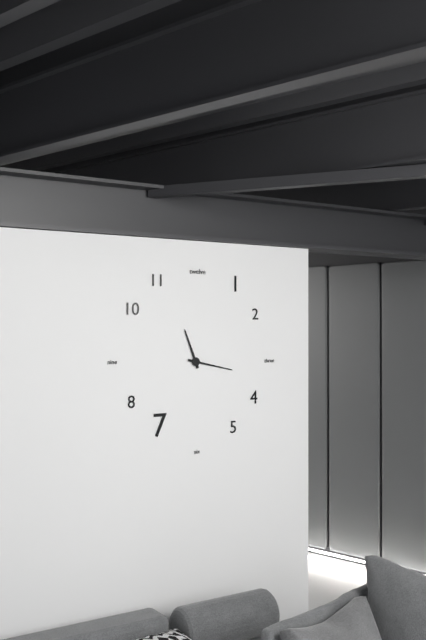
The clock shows {"hour": 11, "minute": 17}
